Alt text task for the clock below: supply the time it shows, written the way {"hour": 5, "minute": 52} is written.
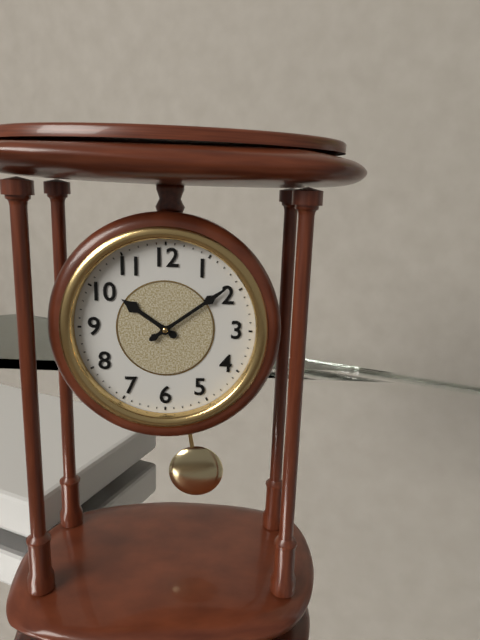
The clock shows {"hour": 10, "minute": 9}
